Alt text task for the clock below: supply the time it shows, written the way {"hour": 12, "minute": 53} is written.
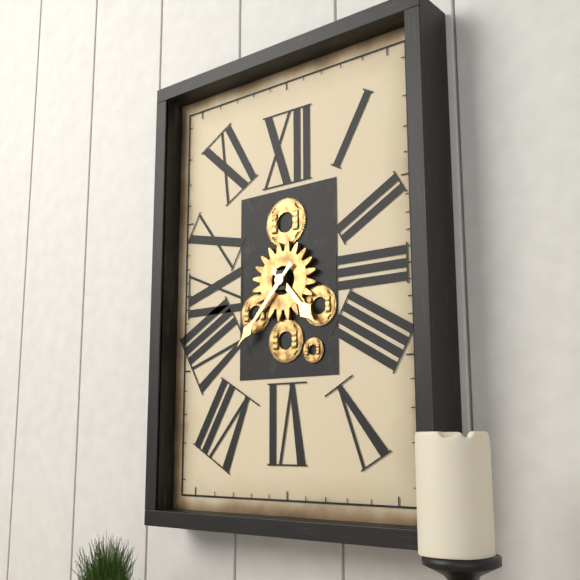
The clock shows {"hour": 4, "minute": 37}
